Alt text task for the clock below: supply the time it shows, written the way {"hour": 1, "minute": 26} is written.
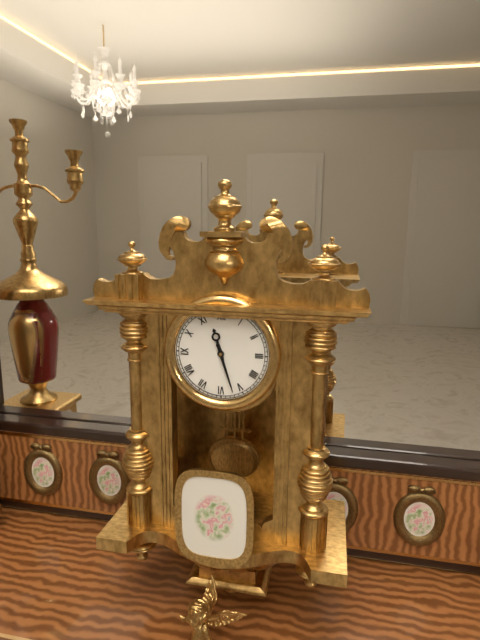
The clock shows {"hour": 11, "minute": 27}
